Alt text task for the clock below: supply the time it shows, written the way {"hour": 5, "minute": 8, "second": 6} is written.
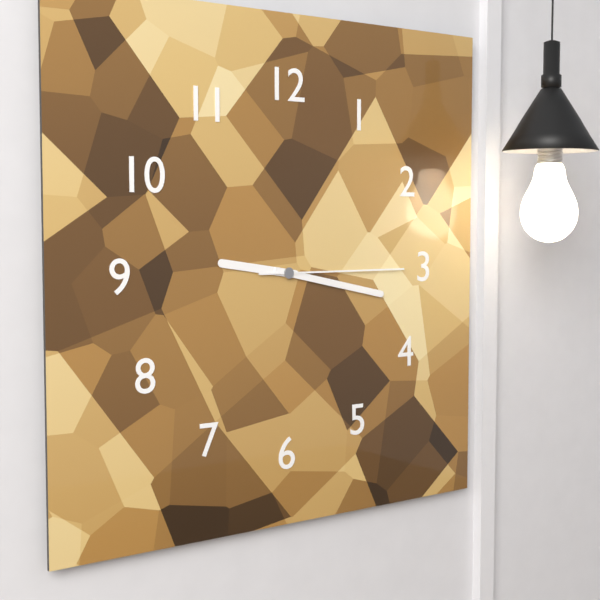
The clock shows {"hour": 9, "minute": 17, "second": 15}
